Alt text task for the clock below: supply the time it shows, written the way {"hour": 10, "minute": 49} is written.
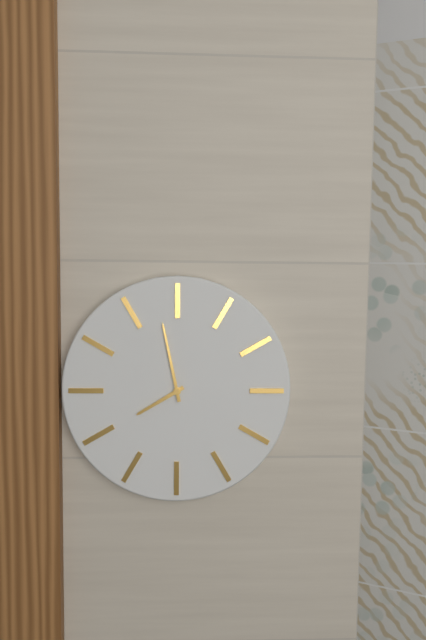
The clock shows {"hour": 7, "minute": 58}
